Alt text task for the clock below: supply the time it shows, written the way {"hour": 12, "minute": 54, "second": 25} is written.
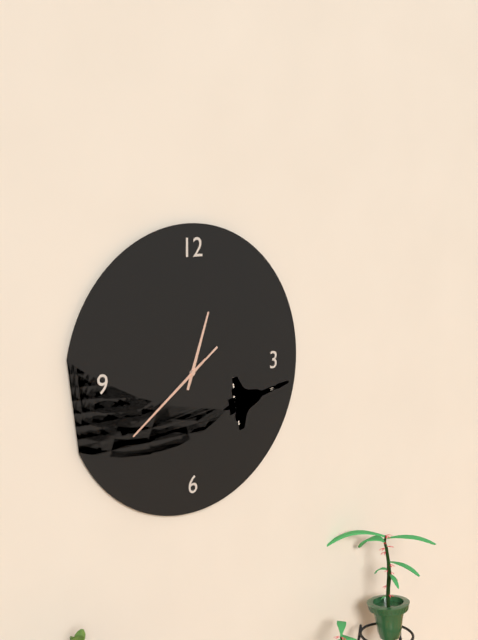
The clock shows {"hour": 12, "minute": 39, "second": 39}
